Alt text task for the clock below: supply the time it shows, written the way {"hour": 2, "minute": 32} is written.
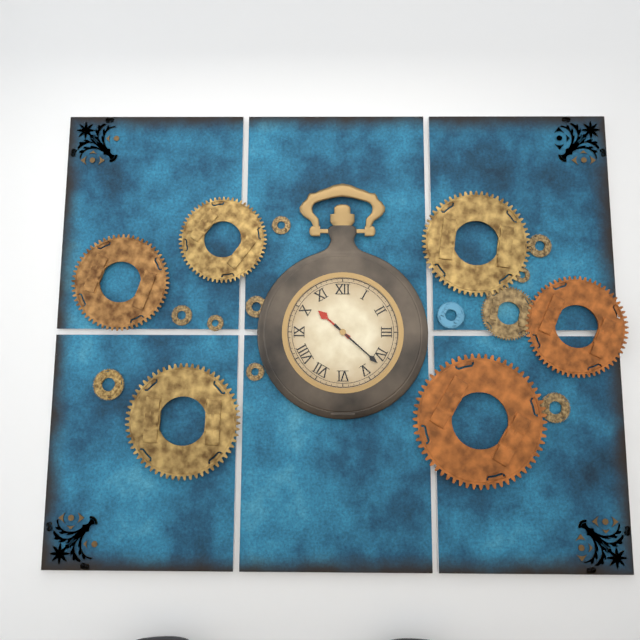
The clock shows {"hour": 10, "minute": 22}
